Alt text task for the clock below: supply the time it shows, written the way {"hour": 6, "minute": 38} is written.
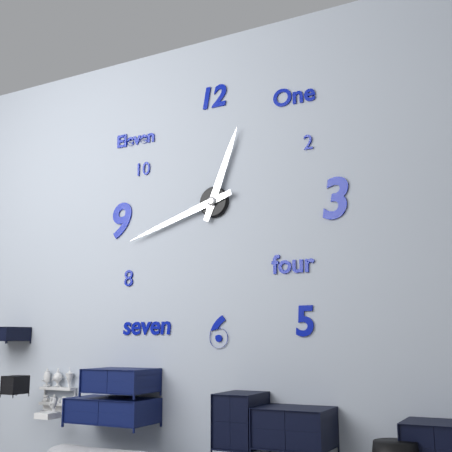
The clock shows {"hour": 12, "minute": 42}
